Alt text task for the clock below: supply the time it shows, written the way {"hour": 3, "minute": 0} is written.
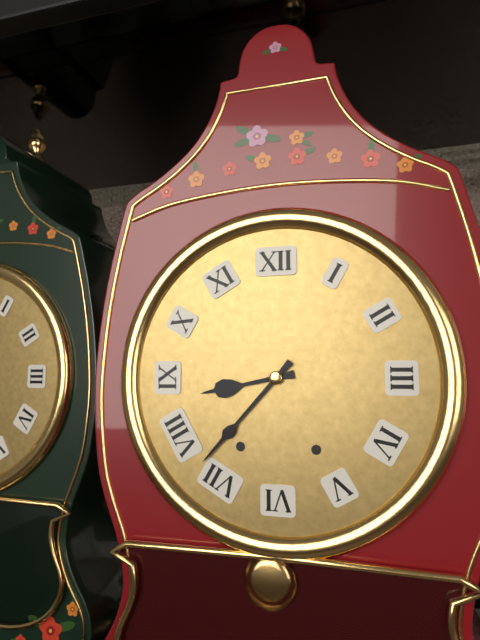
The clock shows {"hour": 8, "minute": 37}
